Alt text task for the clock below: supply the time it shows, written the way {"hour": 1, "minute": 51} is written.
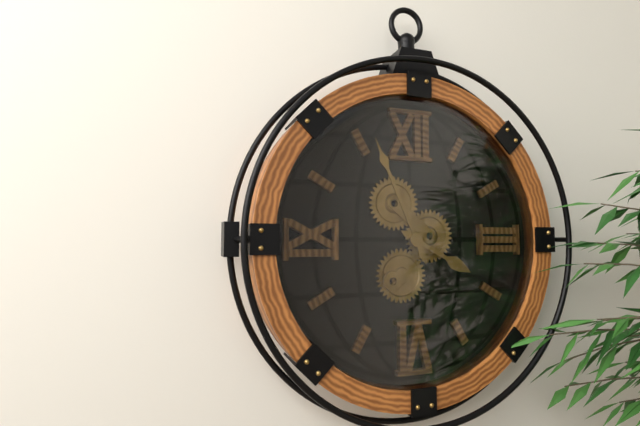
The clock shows {"hour": 3, "minute": 56}
